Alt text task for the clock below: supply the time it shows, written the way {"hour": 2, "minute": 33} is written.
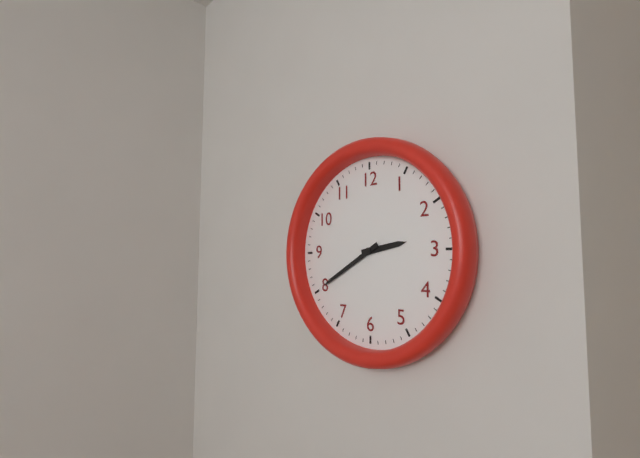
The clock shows {"hour": 2, "minute": 40}
